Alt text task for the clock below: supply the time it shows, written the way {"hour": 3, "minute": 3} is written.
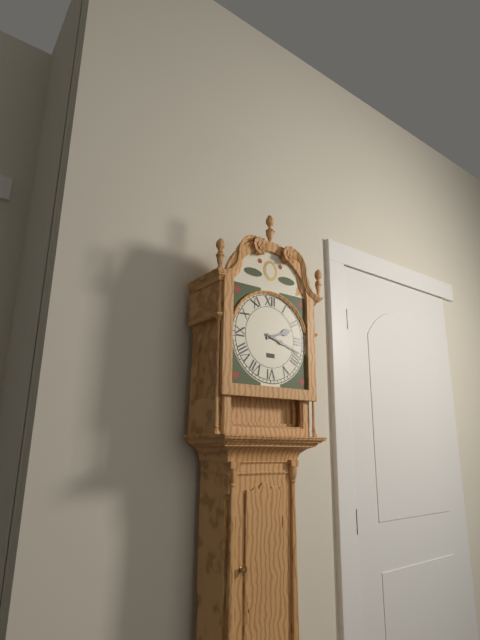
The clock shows {"hour": 2, "minute": 18}
